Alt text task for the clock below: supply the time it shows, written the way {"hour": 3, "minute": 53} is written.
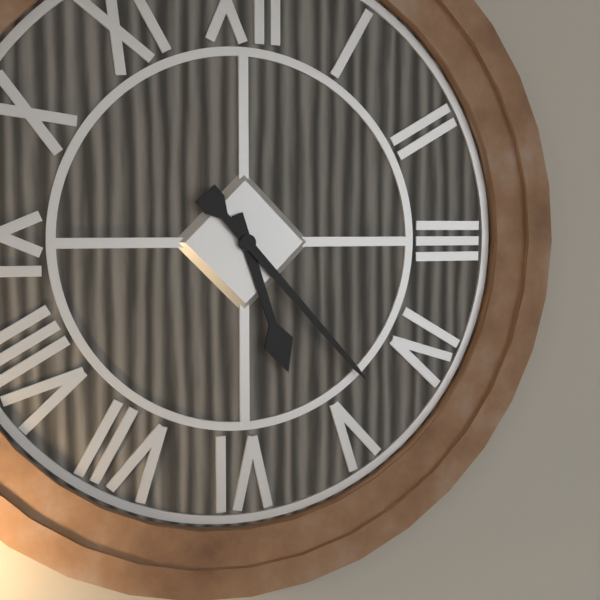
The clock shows {"hour": 5, "minute": 23}
